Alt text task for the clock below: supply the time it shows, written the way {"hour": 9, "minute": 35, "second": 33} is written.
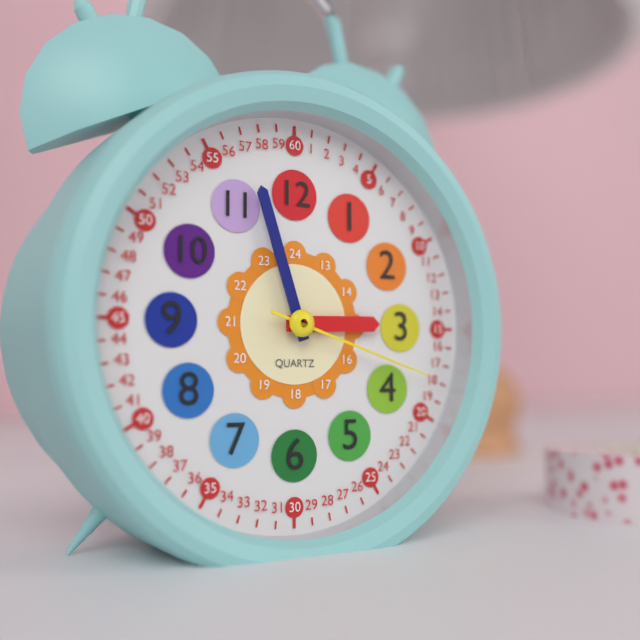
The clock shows {"hour": 2, "minute": 57, "second": 18}
